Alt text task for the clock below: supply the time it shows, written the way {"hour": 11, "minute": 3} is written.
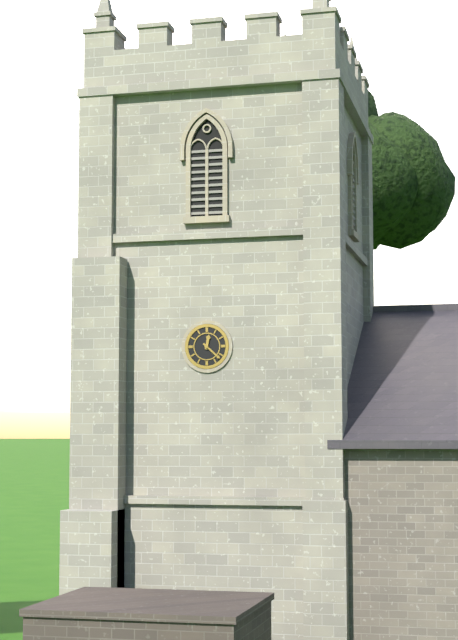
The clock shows {"hour": 12, "minute": 22}
